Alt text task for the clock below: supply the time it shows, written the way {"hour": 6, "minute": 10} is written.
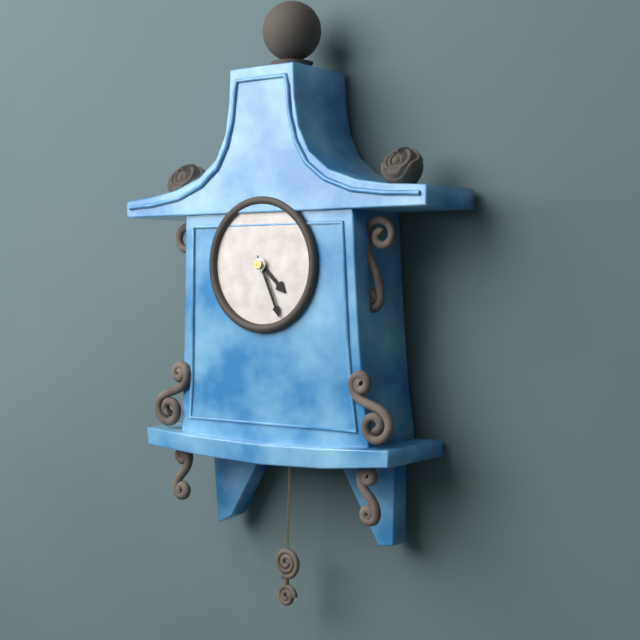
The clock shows {"hour": 4, "minute": 26}
